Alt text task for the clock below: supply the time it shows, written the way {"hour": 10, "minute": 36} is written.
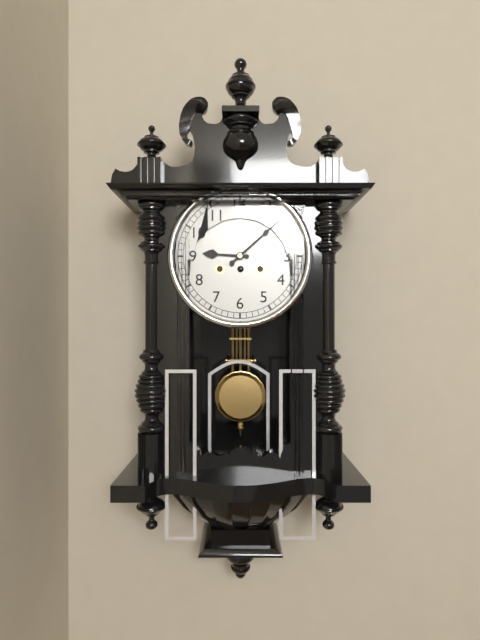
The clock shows {"hour": 9, "minute": 8}
